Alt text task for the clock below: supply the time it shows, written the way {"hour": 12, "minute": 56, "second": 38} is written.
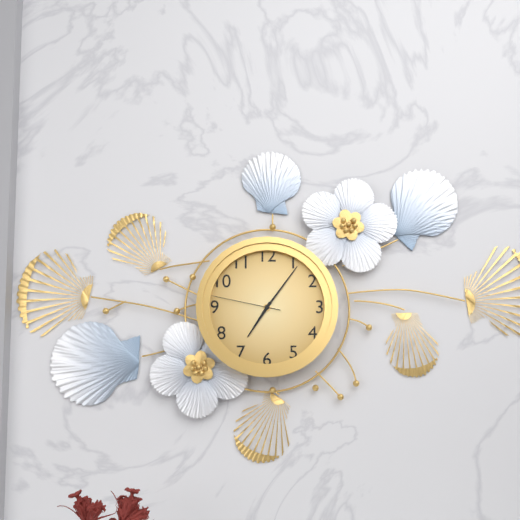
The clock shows {"hour": 7, "minute": 6, "second": 47}
